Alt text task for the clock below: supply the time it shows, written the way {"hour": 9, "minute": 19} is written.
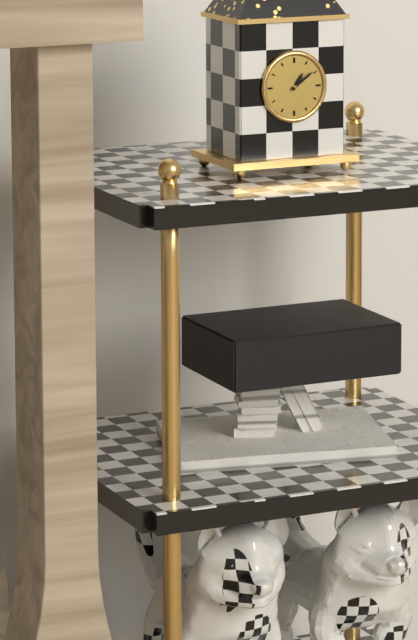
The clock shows {"hour": 1, "minute": 9}
